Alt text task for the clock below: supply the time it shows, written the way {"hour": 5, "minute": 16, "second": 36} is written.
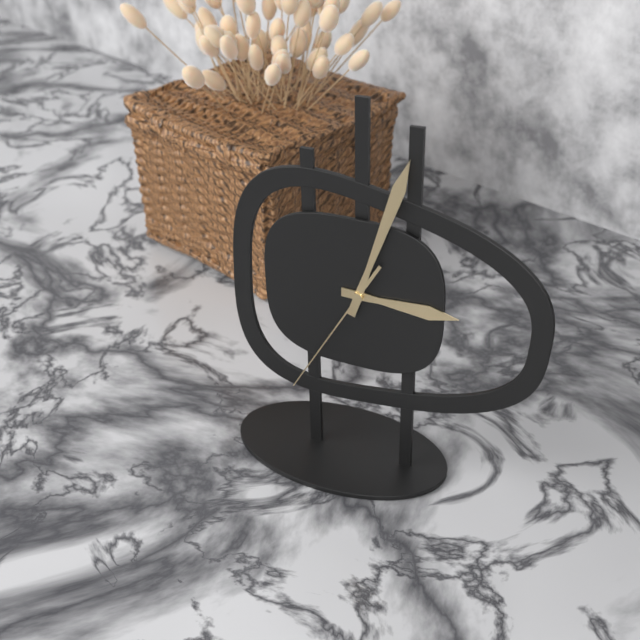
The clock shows {"hour": 3, "minute": 3, "second": 35}
